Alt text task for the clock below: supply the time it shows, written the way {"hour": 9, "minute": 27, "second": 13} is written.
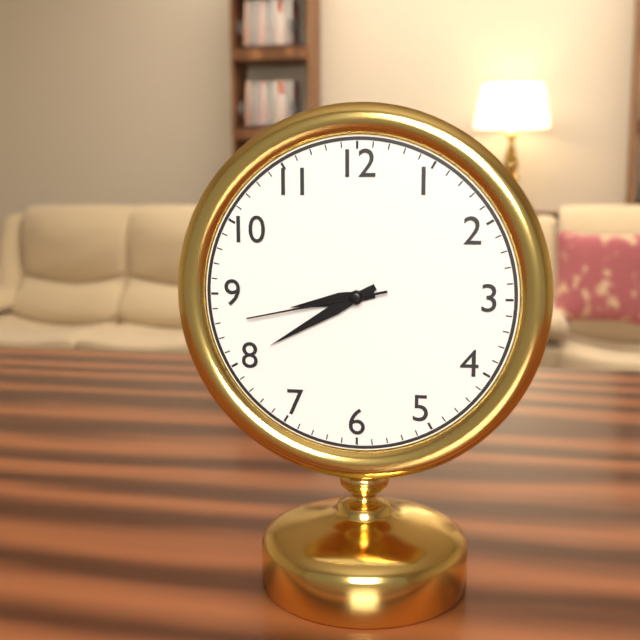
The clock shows {"hour": 8, "minute": 40, "second": 43}
